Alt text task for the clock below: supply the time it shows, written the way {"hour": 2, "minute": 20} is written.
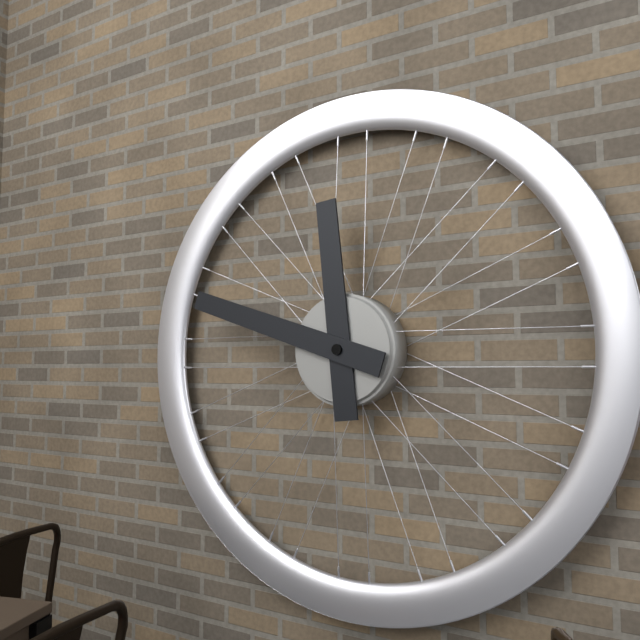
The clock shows {"hour": 11, "minute": 48}
